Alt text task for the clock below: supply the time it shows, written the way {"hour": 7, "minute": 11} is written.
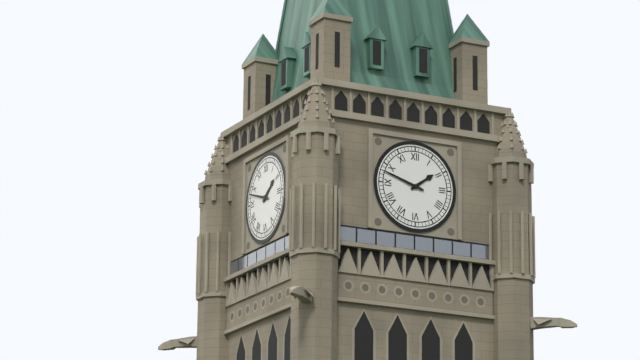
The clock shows {"hour": 1, "minute": 48}
